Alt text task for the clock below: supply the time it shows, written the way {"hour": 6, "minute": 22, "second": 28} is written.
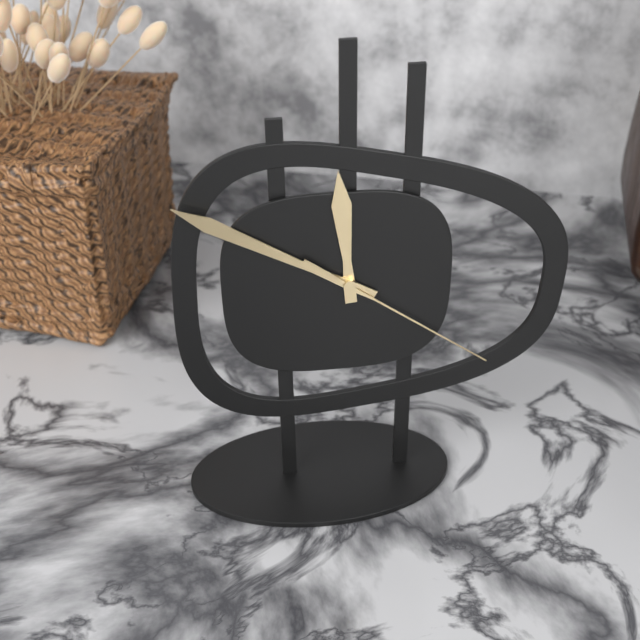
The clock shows {"hour": 11, "minute": 50, "second": 21}
